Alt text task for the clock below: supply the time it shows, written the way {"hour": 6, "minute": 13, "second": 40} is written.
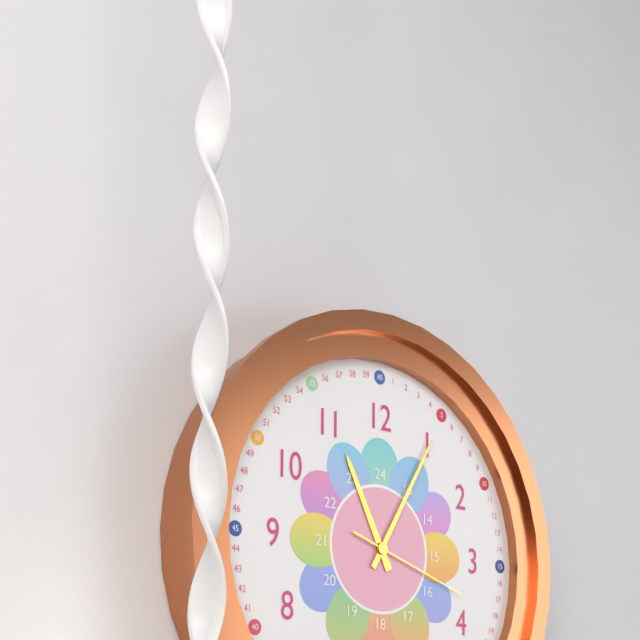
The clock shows {"hour": 11, "minute": 5, "second": 18}
